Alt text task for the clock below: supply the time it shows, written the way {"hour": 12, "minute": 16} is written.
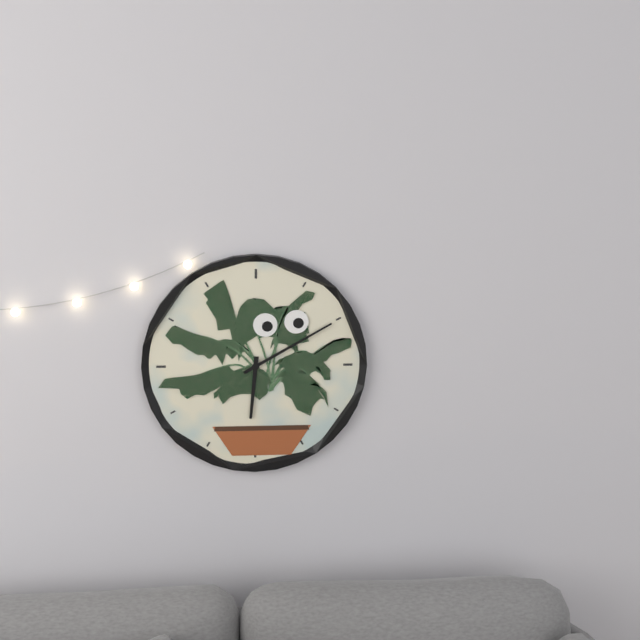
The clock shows {"hour": 6, "minute": 10}
